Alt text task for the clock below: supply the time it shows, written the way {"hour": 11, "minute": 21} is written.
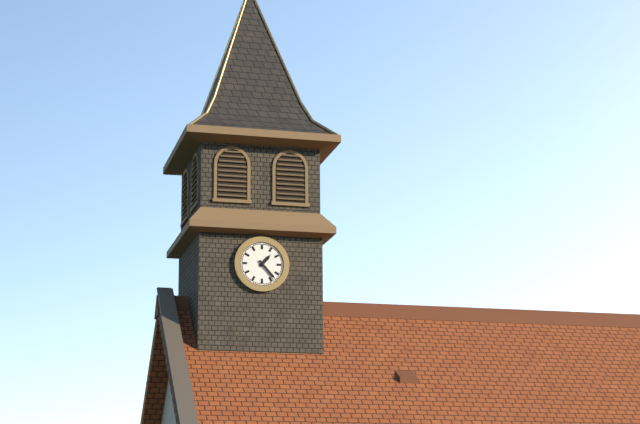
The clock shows {"hour": 1, "minute": 23}
